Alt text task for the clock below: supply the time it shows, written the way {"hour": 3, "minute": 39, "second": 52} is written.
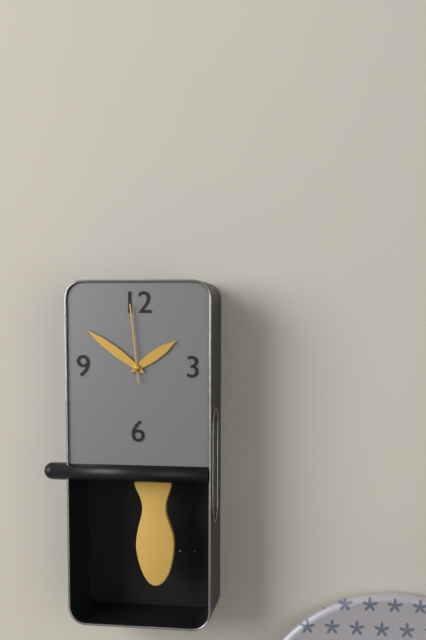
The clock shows {"hour": 1, "minute": 51, "second": 59}
